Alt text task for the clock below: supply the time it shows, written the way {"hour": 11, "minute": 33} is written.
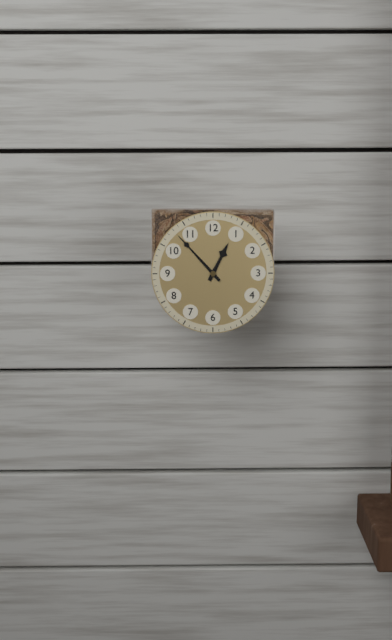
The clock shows {"hour": 12, "minute": 53}
